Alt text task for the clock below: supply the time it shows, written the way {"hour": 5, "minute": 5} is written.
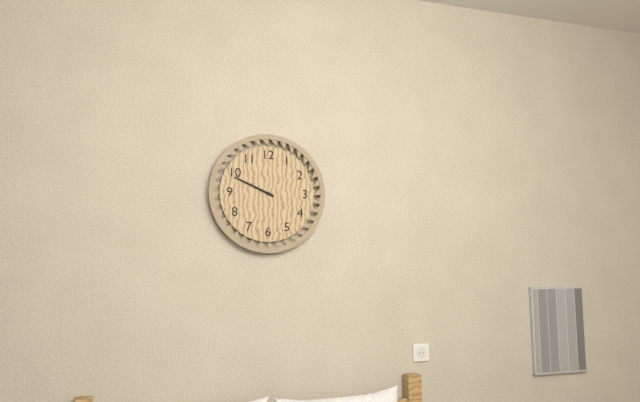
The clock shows {"hour": 9, "minute": 49}
